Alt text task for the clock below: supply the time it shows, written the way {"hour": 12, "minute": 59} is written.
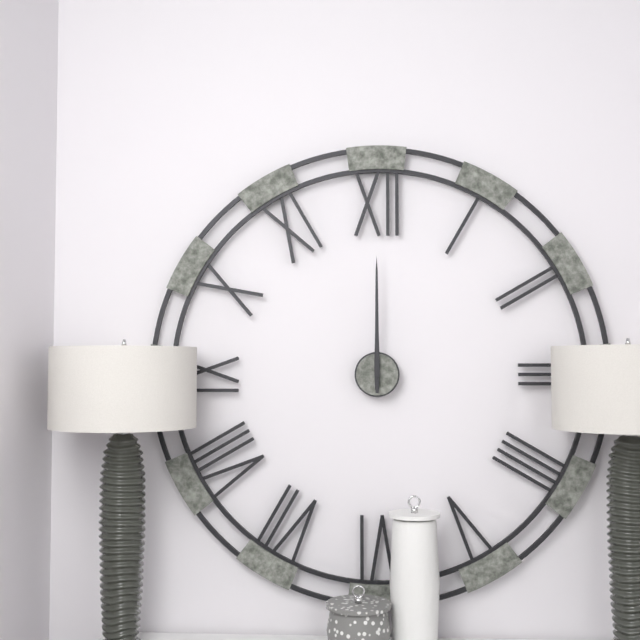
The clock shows {"hour": 12, "minute": 0}
